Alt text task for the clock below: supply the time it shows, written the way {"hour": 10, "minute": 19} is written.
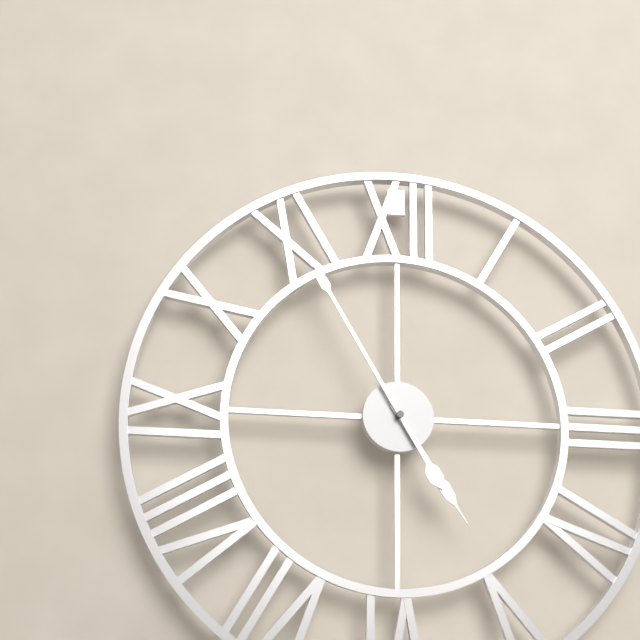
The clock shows {"hour": 4, "minute": 55}
